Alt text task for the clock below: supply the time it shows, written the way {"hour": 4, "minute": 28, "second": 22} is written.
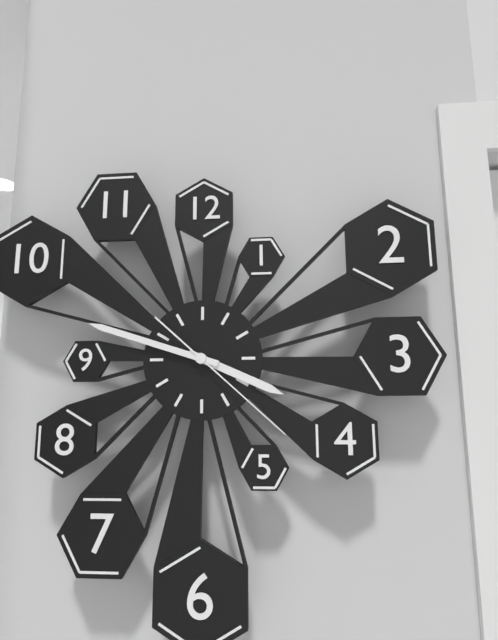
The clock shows {"hour": 3, "minute": 48, "second": 22}
